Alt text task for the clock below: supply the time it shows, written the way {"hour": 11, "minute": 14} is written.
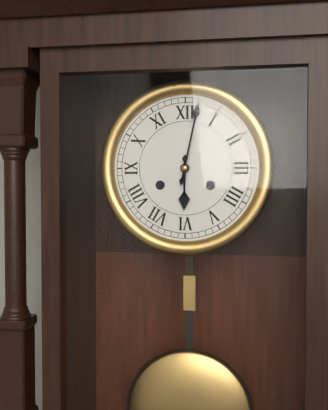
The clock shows {"hour": 6, "minute": 2}
